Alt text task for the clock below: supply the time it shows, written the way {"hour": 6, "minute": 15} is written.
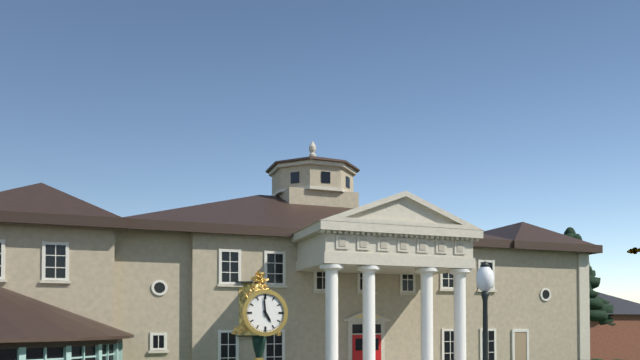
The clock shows {"hour": 4, "minute": 59}
